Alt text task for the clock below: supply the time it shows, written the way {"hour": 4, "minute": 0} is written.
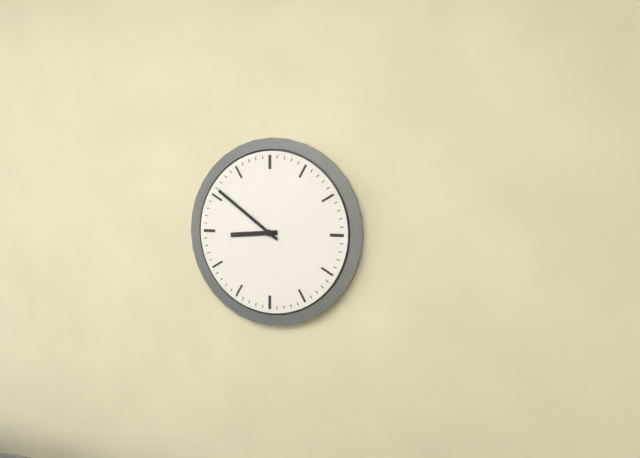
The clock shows {"hour": 8, "minute": 51}
